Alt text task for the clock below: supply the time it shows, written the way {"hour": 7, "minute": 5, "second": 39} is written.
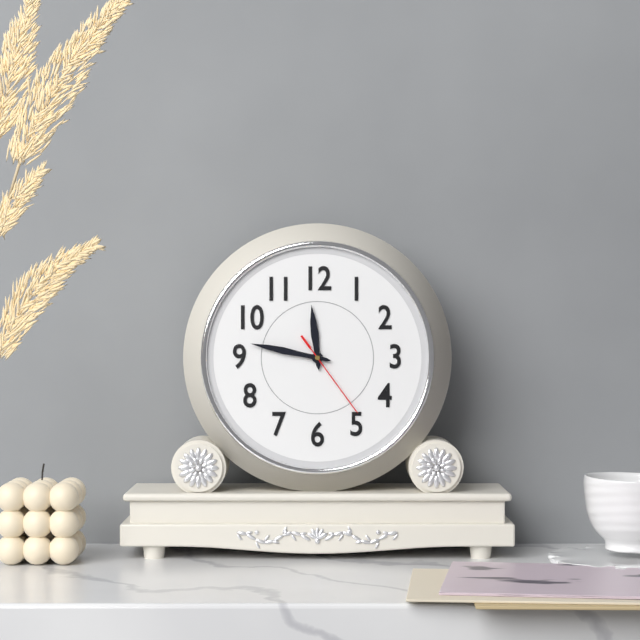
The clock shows {"hour": 11, "minute": 47, "second": 24}
